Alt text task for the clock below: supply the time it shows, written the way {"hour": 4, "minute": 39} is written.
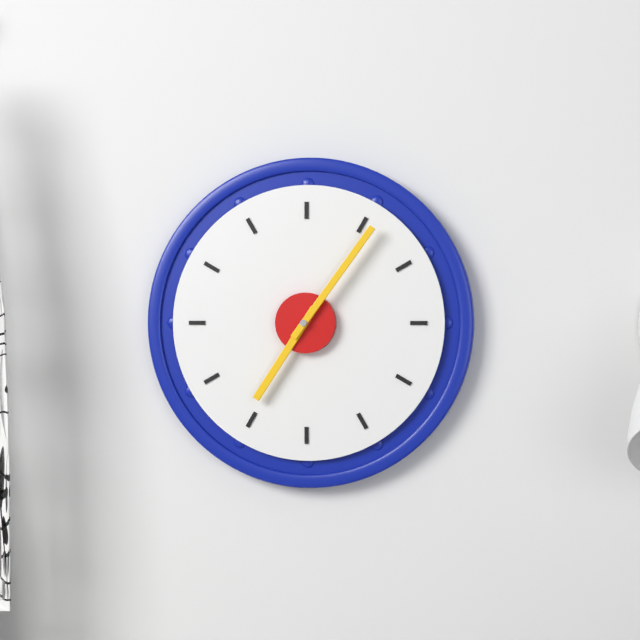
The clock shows {"hour": 7, "minute": 6}
